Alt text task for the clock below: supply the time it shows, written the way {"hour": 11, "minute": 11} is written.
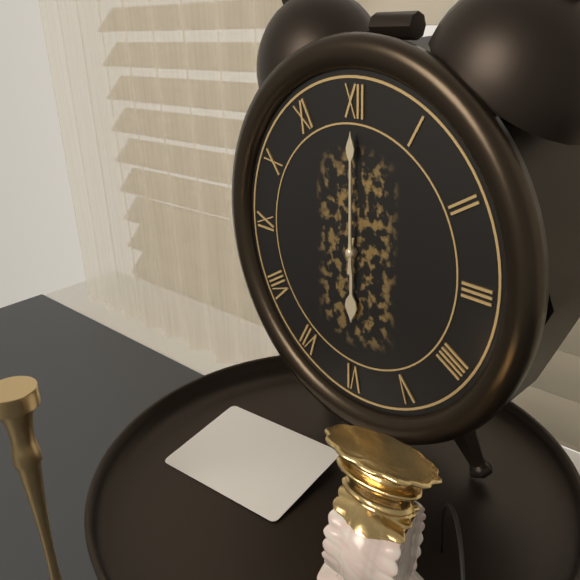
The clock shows {"hour": 6, "minute": 0}
